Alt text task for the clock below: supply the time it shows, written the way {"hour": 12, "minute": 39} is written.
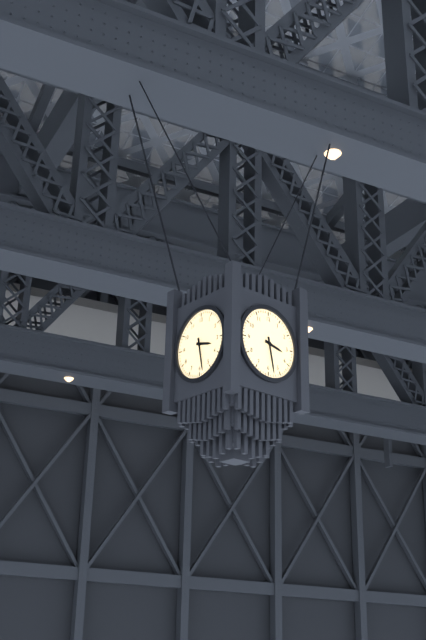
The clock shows {"hour": 3, "minute": 28}
